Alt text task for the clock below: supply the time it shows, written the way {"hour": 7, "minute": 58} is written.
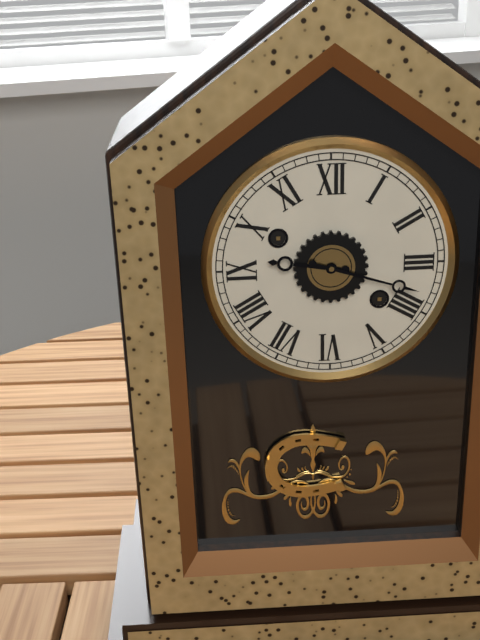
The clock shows {"hour": 9, "minute": 18}
